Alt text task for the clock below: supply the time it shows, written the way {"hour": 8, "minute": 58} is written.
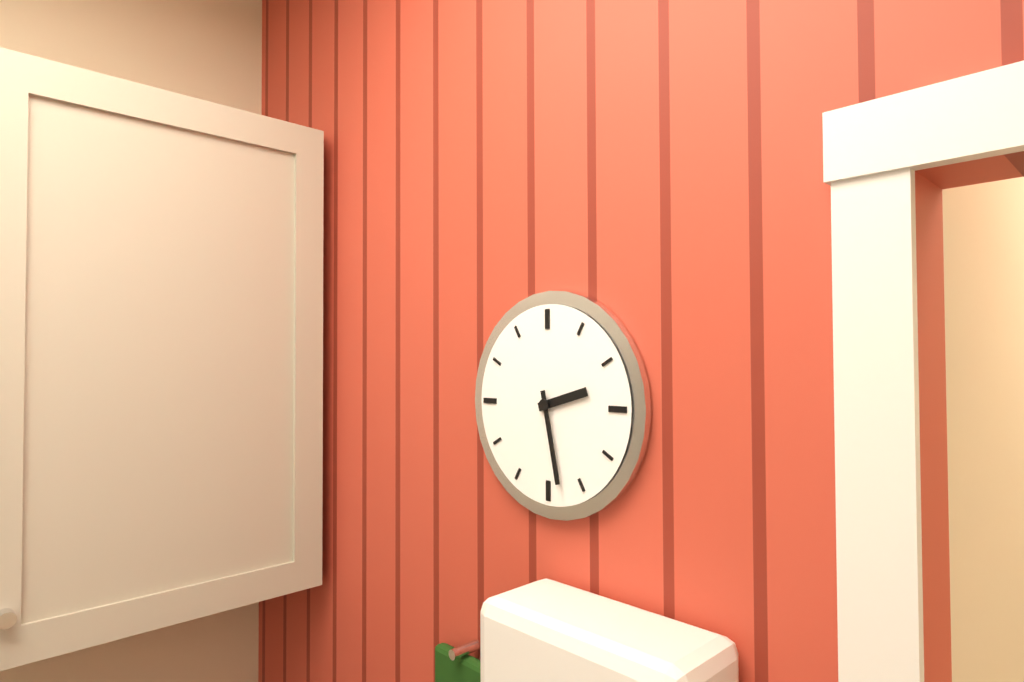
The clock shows {"hour": 2, "minute": 28}
